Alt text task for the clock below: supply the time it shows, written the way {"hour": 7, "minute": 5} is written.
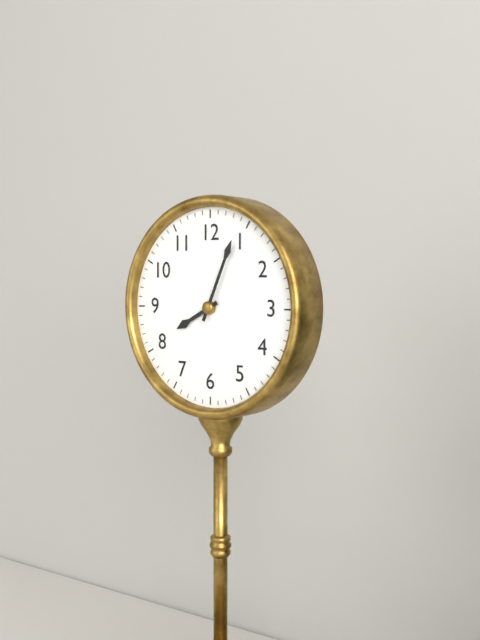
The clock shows {"hour": 8, "minute": 4}
